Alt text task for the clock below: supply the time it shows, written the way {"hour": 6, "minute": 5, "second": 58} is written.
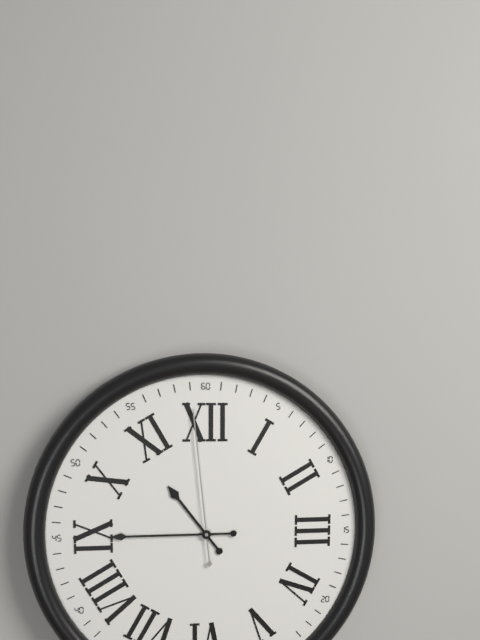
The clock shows {"hour": 10, "minute": 45, "second": 59}
